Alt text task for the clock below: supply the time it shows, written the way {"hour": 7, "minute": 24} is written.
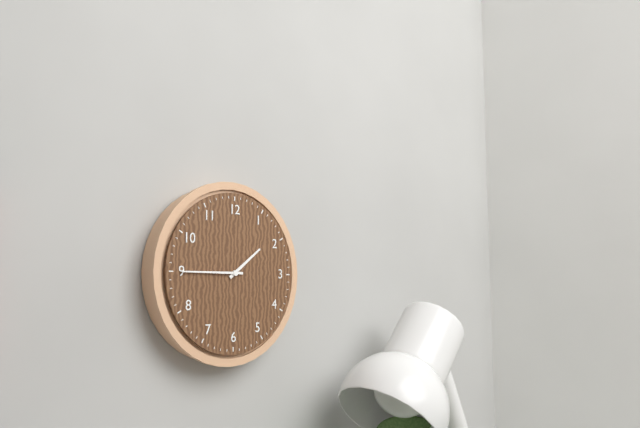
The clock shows {"hour": 1, "minute": 45}
